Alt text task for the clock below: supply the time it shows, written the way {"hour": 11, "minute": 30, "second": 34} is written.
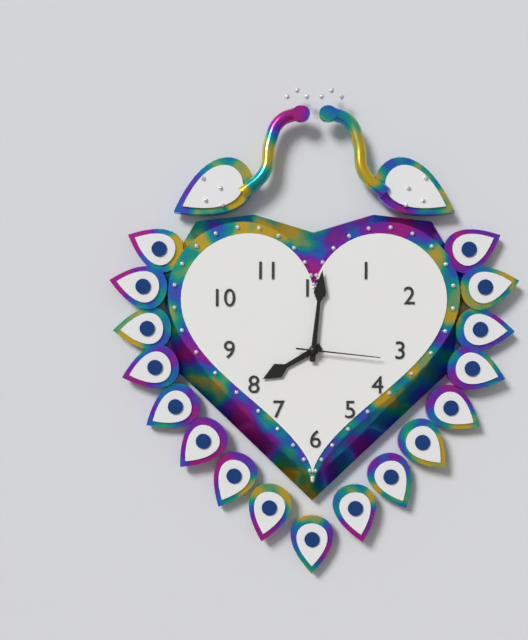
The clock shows {"hour": 8, "minute": 1, "second": 16}
